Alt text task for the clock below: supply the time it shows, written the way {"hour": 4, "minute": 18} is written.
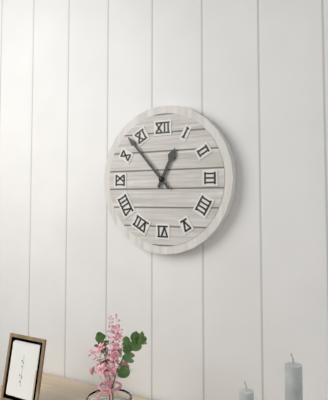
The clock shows {"hour": 12, "minute": 53}
